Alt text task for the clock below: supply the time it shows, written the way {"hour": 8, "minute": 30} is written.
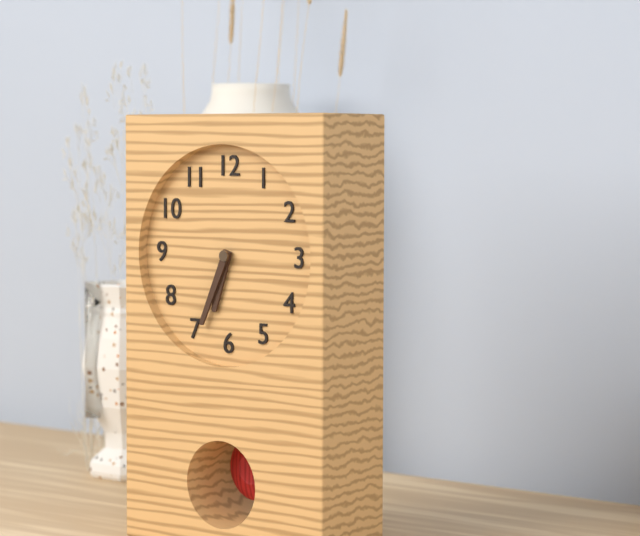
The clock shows {"hour": 6, "minute": 34}
